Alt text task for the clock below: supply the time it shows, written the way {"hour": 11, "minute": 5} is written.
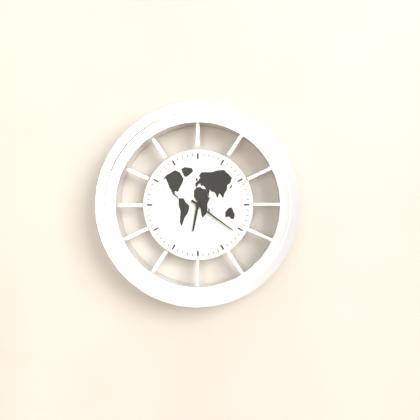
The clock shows {"hour": 6, "minute": 21}
